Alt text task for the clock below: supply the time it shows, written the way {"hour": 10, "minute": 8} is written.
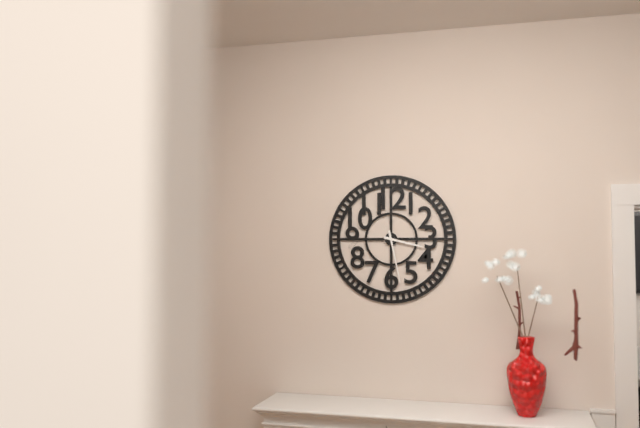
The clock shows {"hour": 3, "minute": 28}
